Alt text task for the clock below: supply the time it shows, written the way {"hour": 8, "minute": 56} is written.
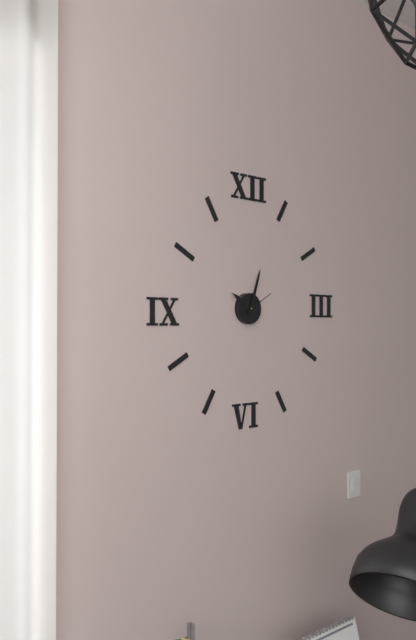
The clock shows {"hour": 10, "minute": 3}
